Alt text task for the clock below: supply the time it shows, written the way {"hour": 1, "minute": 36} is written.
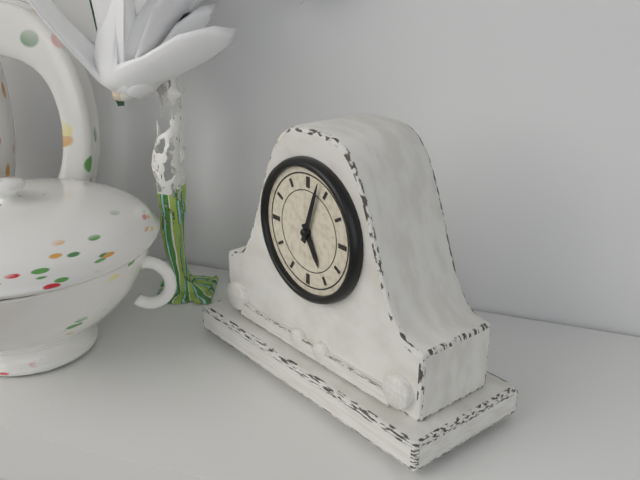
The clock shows {"hour": 5, "minute": 3}
